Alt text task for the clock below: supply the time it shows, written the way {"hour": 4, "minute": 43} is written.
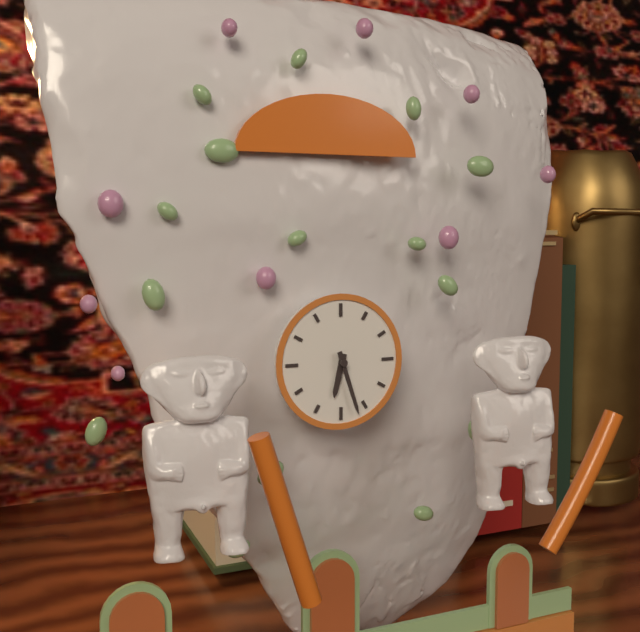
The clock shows {"hour": 6, "minute": 27}
